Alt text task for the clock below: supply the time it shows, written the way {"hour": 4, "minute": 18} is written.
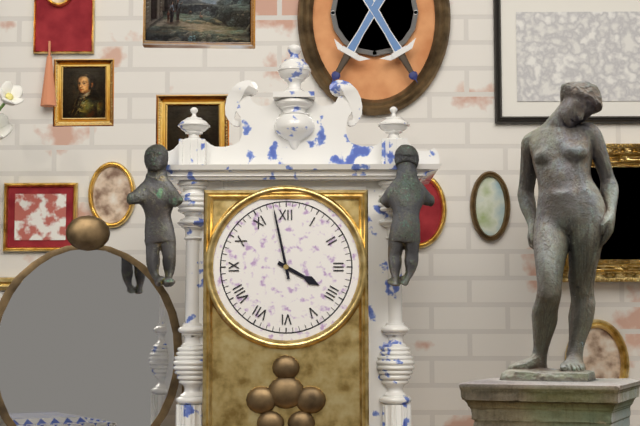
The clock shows {"hour": 3, "minute": 58}
